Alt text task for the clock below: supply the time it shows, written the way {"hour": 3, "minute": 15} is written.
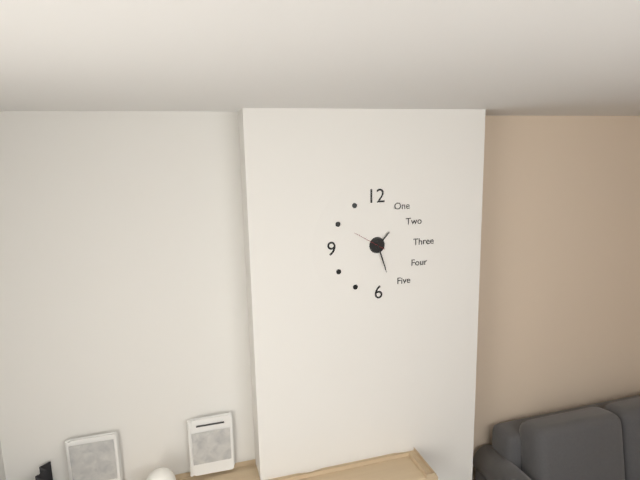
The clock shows {"hour": 1, "minute": 27}
